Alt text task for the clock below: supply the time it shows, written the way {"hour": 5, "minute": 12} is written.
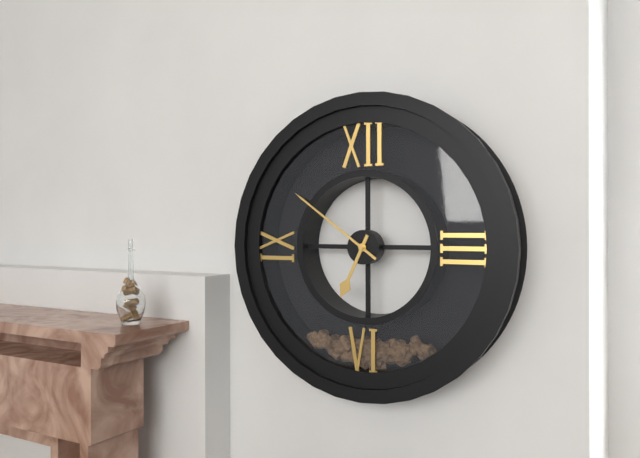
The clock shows {"hour": 6, "minute": 51}
